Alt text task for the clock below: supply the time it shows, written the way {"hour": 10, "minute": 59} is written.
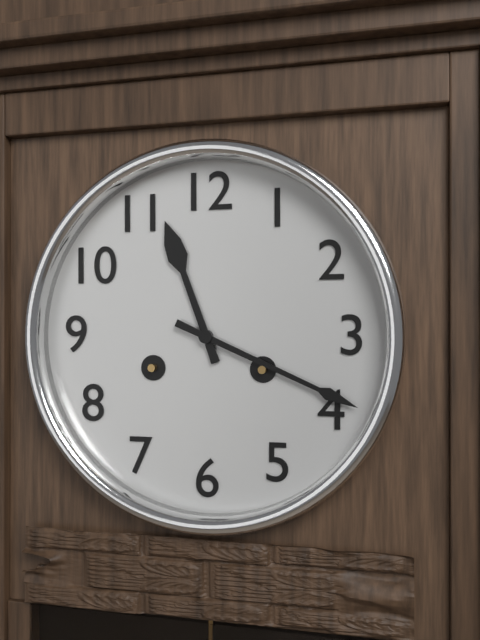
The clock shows {"hour": 11, "minute": 19}
